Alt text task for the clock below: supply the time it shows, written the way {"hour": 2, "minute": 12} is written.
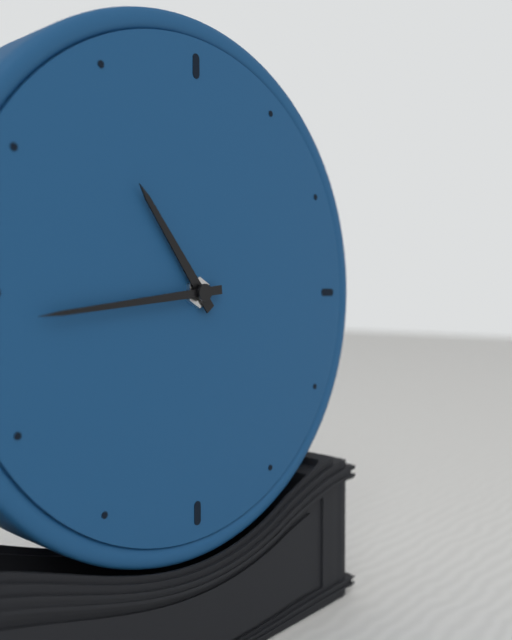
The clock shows {"hour": 10, "minute": 44}
